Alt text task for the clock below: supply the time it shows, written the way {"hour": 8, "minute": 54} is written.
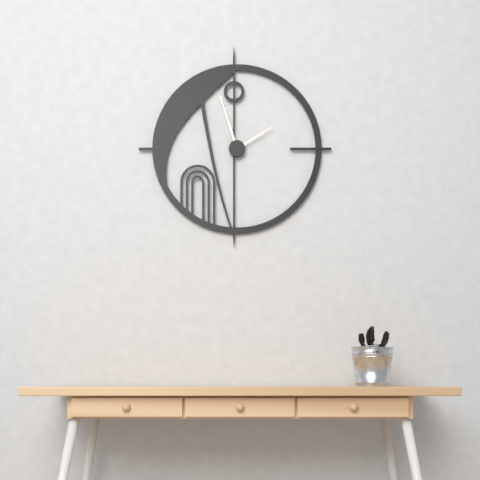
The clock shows {"hour": 1, "minute": 57}
